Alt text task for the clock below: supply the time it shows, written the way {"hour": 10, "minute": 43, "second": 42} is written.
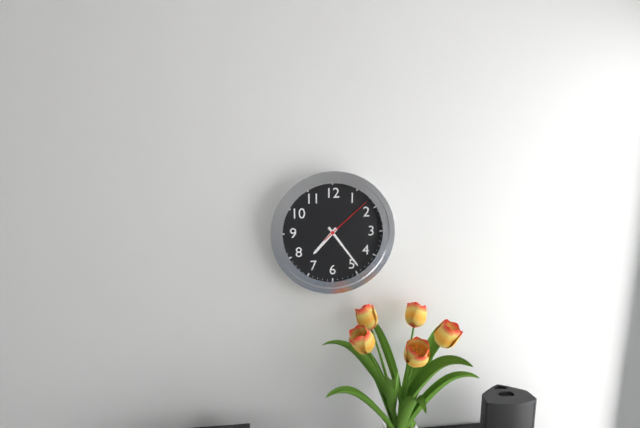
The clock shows {"hour": 7, "minute": 24, "second": 8}
